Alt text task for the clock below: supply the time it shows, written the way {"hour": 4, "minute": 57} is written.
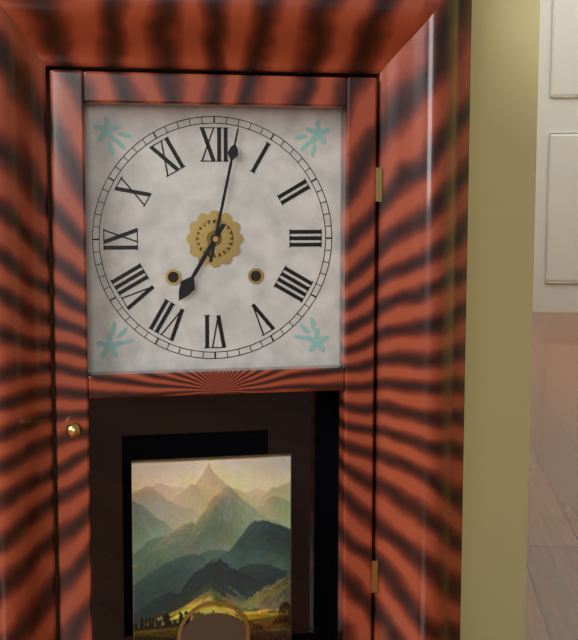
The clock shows {"hour": 7, "minute": 2}
